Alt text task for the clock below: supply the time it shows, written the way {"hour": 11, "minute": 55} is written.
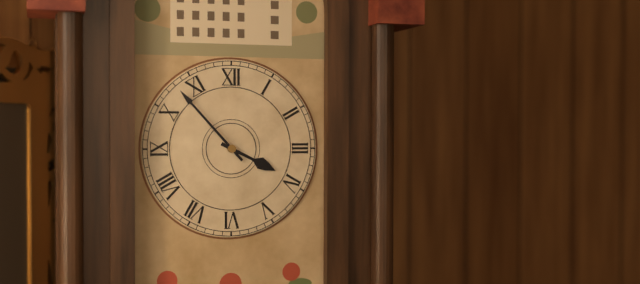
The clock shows {"hour": 3, "minute": 53}
